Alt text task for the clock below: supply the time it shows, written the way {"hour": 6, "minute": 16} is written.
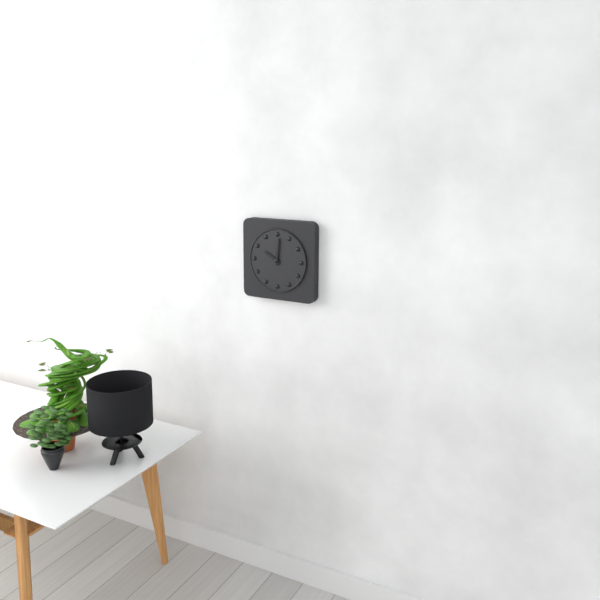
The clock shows {"hour": 10, "minute": 1}
